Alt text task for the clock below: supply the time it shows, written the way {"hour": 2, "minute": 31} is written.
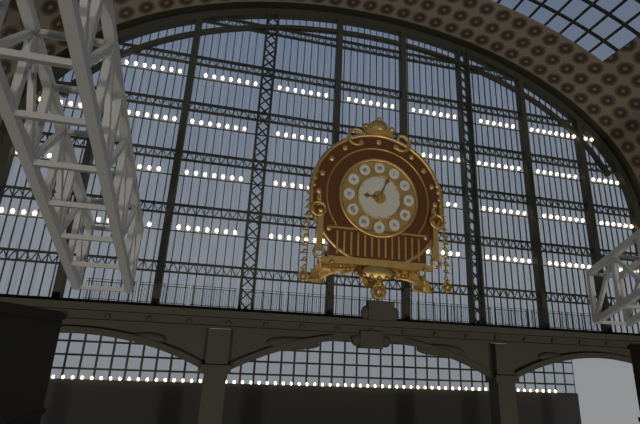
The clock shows {"hour": 9, "minute": 4}
